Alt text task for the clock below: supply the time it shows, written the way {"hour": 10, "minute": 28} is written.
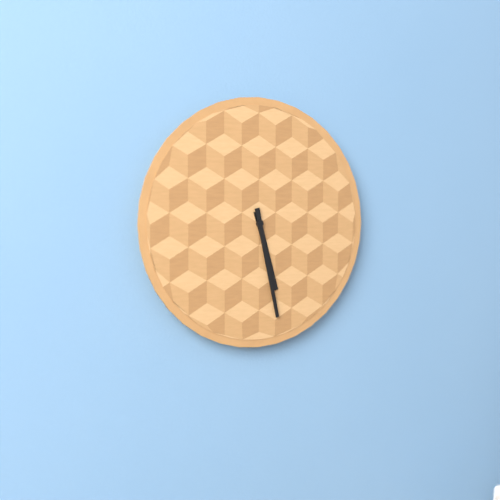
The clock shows {"hour": 5, "minute": 28}
